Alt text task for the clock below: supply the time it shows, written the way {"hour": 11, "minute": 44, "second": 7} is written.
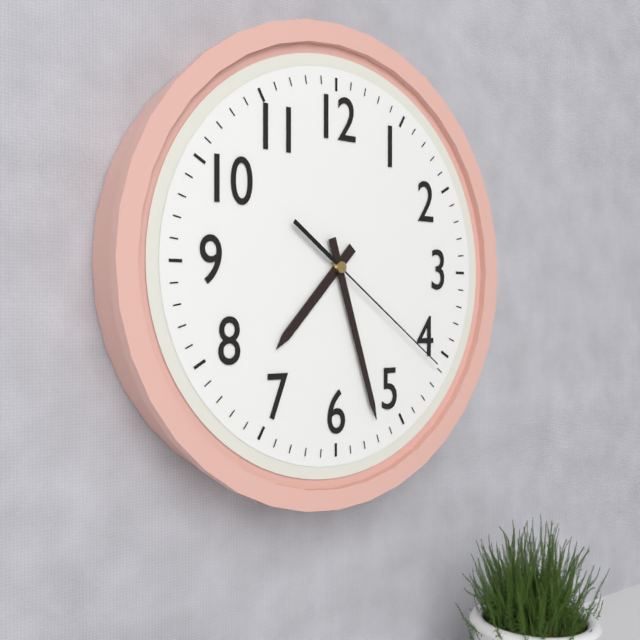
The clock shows {"hour": 7, "minute": 27, "second": 21}
